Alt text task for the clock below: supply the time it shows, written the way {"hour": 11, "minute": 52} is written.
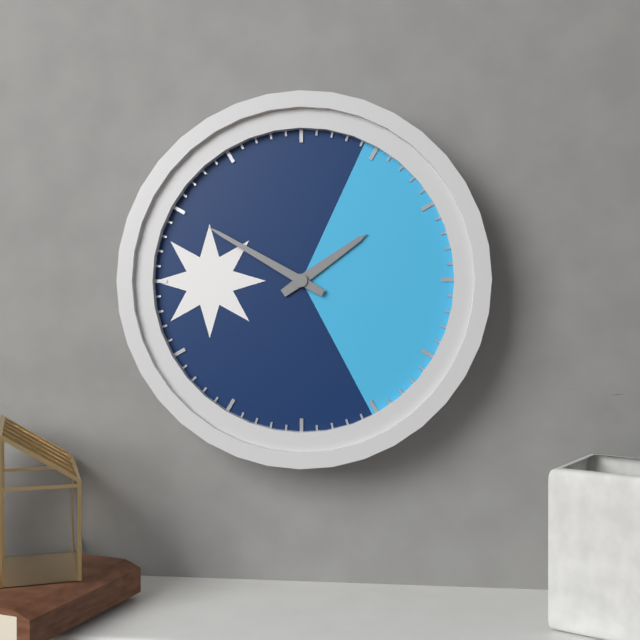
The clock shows {"hour": 1, "minute": 50}
